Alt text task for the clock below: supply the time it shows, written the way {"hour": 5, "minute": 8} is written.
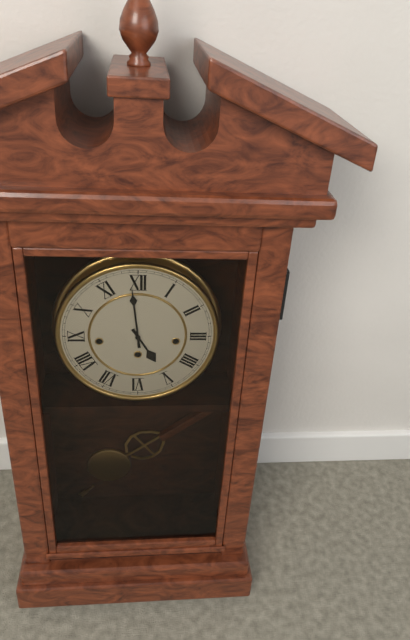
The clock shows {"hour": 4, "minute": 59}
